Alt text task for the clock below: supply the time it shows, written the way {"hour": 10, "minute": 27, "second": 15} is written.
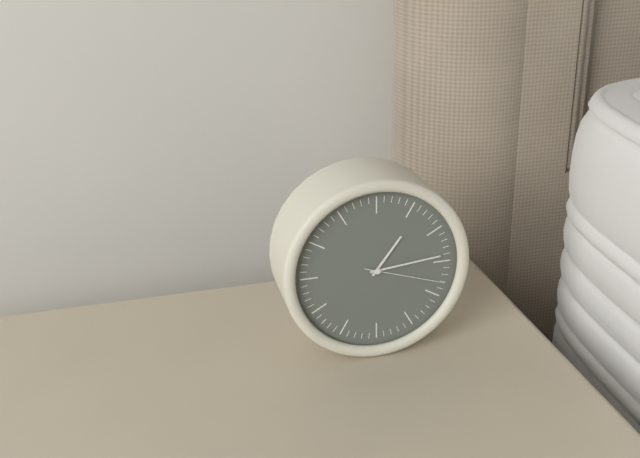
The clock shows {"hour": 1, "minute": 14, "second": 18}
